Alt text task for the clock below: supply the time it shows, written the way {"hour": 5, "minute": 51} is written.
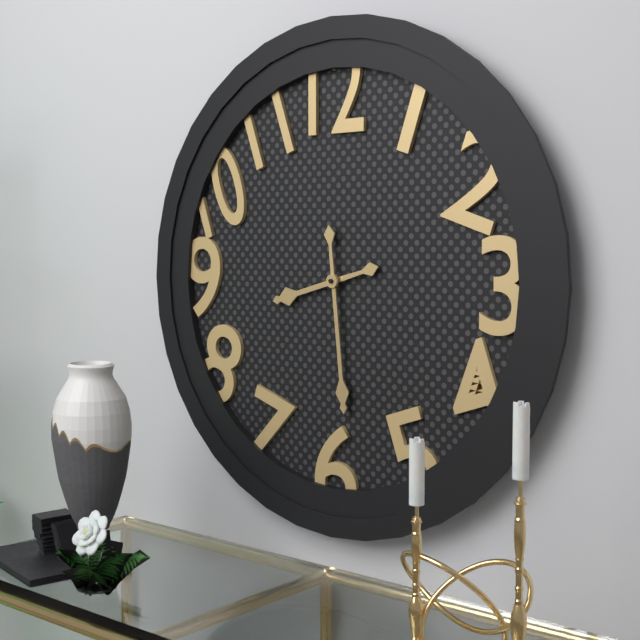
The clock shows {"hour": 8, "minute": 29}
